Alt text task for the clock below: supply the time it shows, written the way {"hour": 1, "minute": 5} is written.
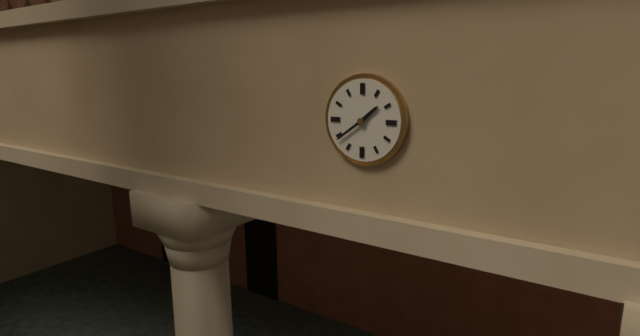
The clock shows {"hour": 1, "minute": 39}
